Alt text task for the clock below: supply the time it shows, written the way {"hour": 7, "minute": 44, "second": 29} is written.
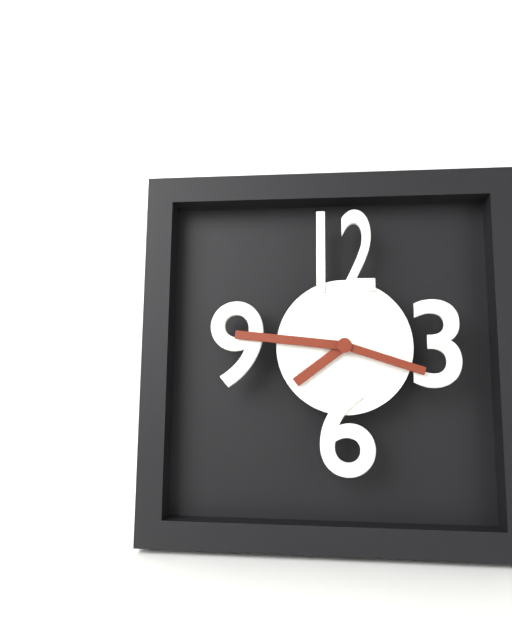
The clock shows {"hour": 7, "minute": 46, "second": 18}
